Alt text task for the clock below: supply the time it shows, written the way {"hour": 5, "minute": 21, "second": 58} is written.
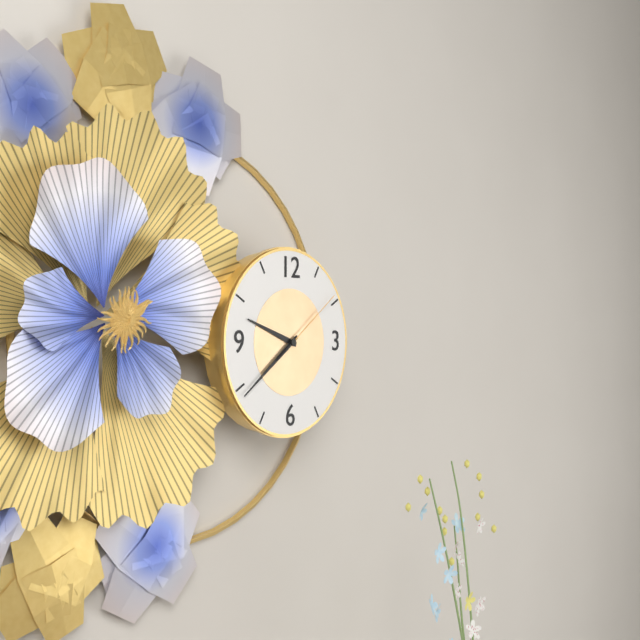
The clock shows {"hour": 9, "minute": 39, "second": 9}
